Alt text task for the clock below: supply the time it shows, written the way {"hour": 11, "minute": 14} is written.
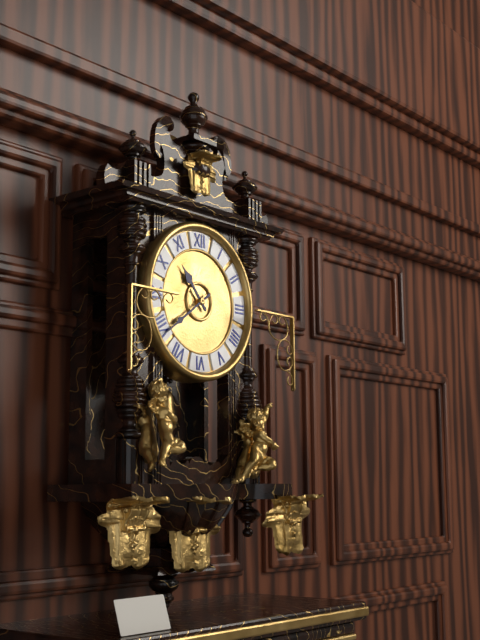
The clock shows {"hour": 10, "minute": 39}
